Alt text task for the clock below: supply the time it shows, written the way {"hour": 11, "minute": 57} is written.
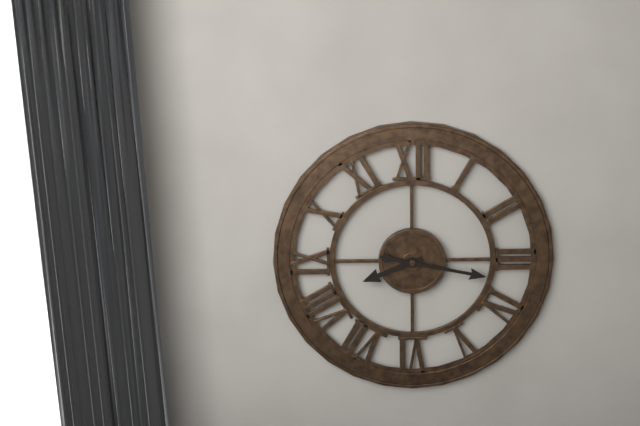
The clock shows {"hour": 8, "minute": 17}
